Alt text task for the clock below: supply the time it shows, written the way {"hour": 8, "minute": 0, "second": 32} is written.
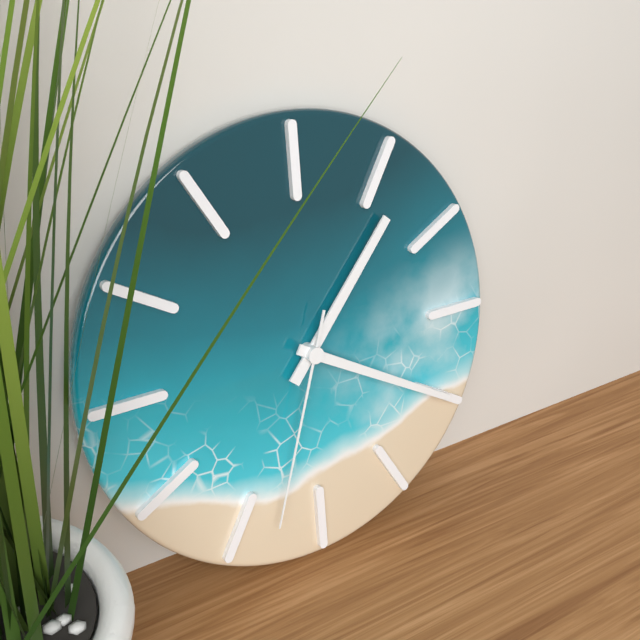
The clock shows {"hour": 1, "minute": 20, "second": 33}
